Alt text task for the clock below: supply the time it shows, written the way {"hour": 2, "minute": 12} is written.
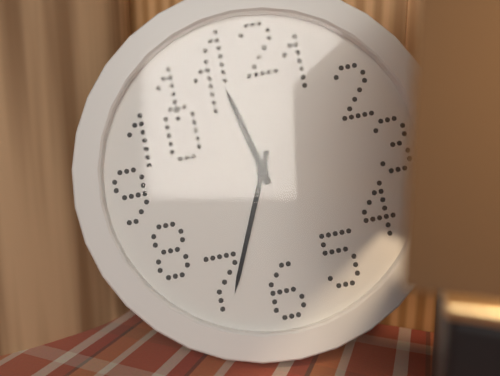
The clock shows {"hour": 11, "minute": 34}
